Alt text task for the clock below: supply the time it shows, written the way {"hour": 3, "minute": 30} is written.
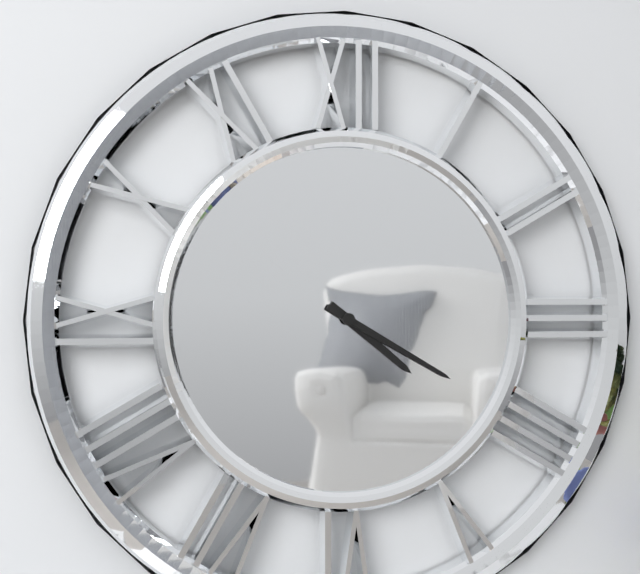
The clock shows {"hour": 4, "minute": 20}
